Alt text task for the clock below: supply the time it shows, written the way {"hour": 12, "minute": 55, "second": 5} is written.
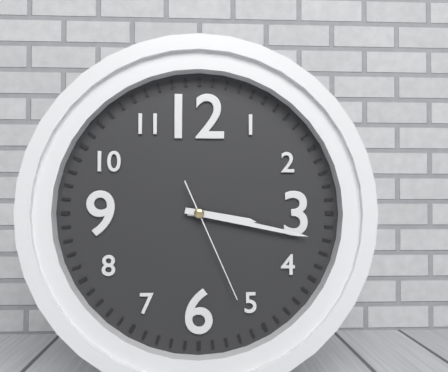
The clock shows {"hour": 3, "minute": 17, "second": 26}
